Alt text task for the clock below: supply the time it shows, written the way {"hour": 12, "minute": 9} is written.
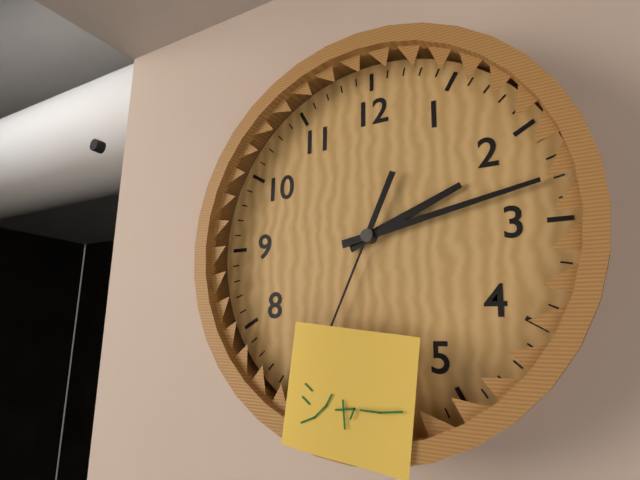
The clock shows {"hour": 2, "minute": 13}
